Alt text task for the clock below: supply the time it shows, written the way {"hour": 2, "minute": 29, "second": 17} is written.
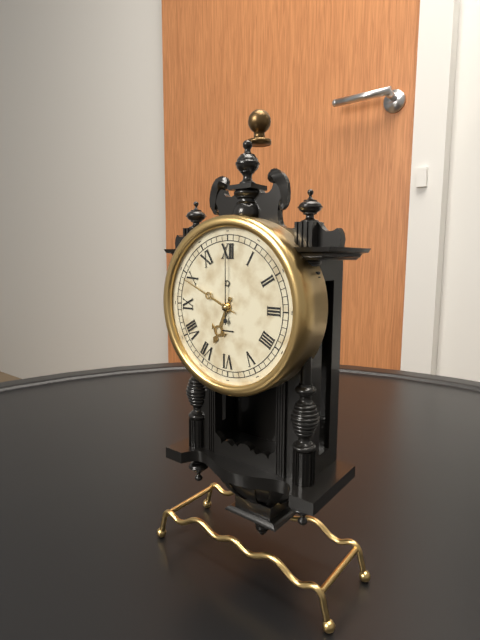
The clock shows {"hour": 6, "minute": 49, "second": 0}
